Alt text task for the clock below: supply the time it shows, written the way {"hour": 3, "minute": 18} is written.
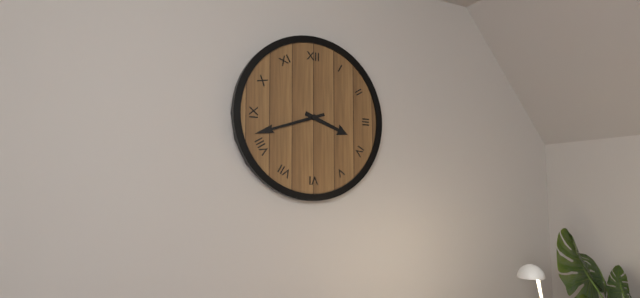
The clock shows {"hour": 3, "minute": 42}
